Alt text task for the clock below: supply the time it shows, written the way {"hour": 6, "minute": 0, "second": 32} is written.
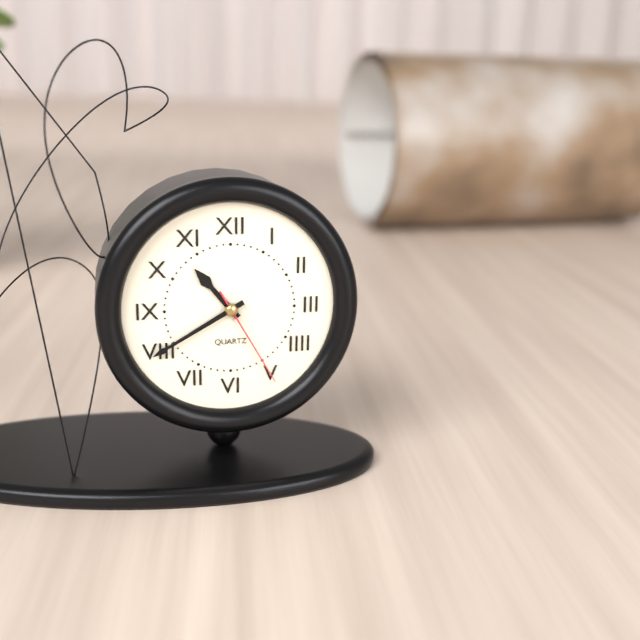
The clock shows {"hour": 10, "minute": 40, "second": 25}
